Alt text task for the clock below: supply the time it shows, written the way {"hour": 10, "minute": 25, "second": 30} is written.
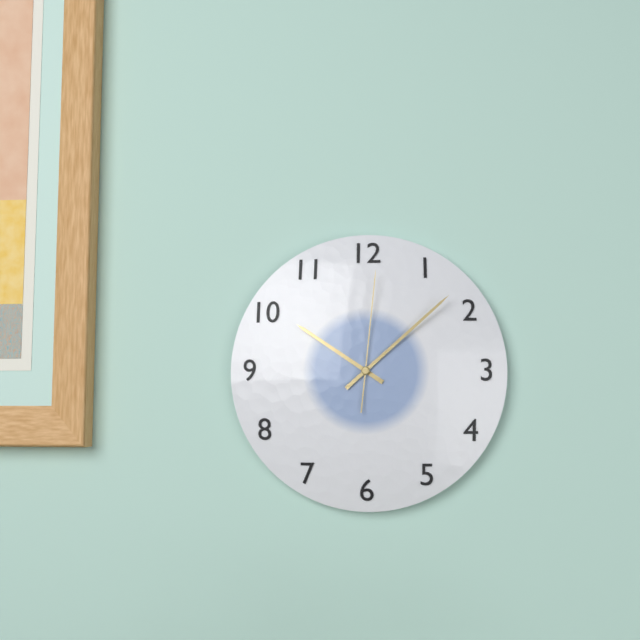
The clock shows {"hour": 10, "minute": 8, "second": 1}
